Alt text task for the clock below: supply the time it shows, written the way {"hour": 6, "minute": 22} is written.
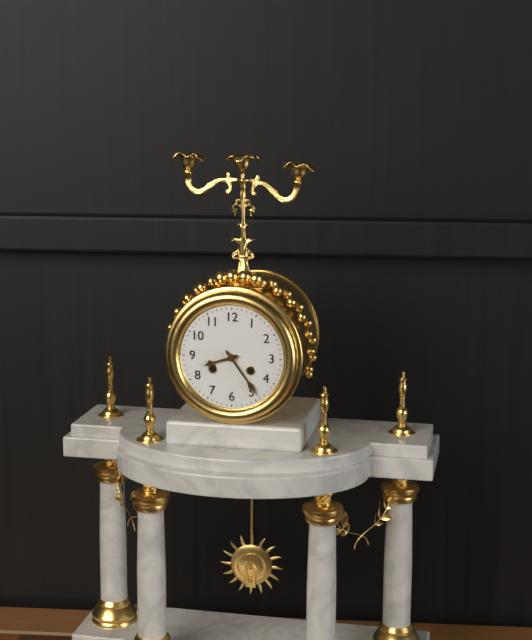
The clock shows {"hour": 8, "minute": 24}
